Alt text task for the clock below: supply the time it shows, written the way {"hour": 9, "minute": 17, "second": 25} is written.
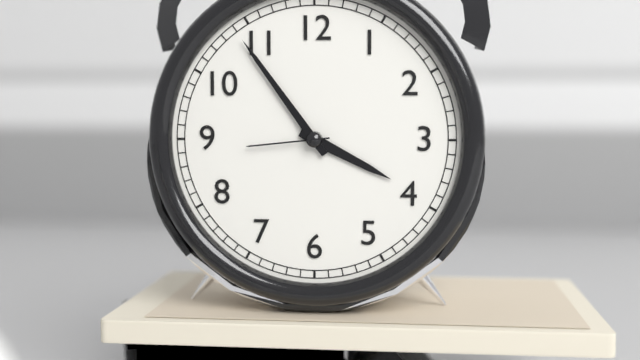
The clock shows {"hour": 3, "minute": 54, "second": 44}
